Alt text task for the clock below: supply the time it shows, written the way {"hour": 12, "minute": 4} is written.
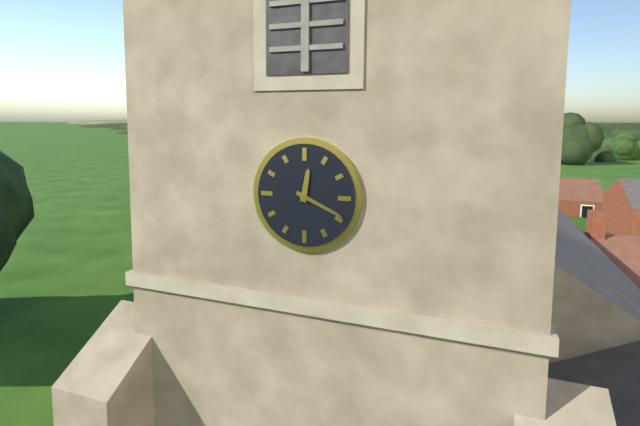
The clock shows {"hour": 12, "minute": 19}
